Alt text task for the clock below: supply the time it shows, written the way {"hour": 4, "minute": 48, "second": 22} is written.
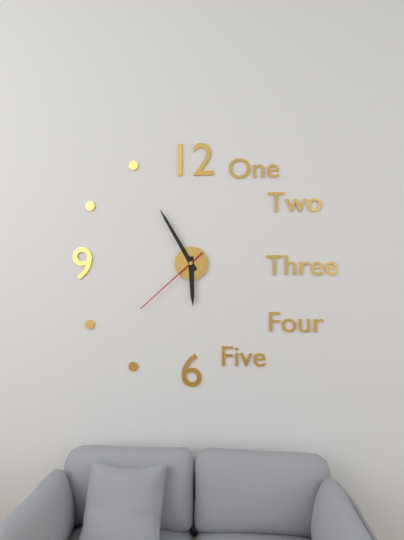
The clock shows {"hour": 5, "minute": 55, "second": 38}
